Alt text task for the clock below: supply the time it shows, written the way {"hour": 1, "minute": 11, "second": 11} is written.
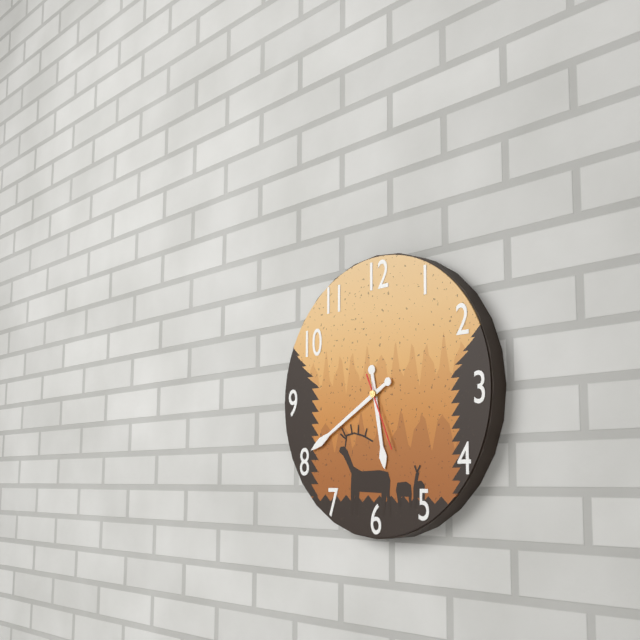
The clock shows {"hour": 5, "minute": 40, "second": 26}
